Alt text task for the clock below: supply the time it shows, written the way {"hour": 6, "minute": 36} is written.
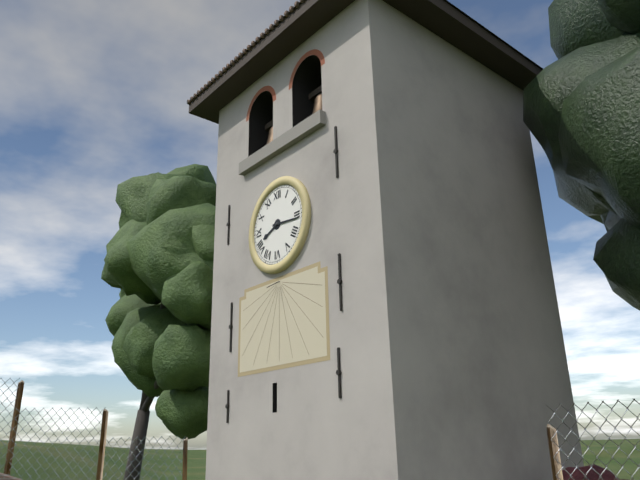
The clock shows {"hour": 8, "minute": 16}
